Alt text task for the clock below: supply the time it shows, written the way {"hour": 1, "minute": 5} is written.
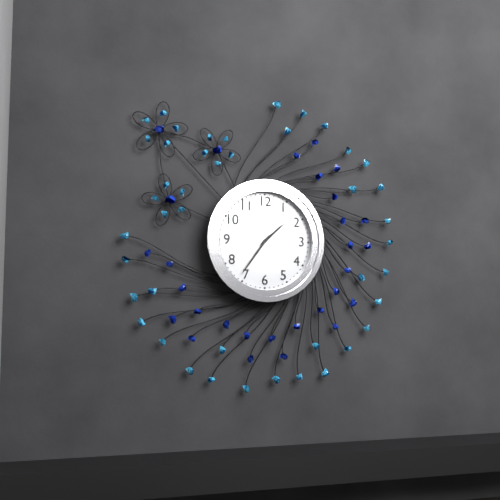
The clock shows {"hour": 1, "minute": 36}
